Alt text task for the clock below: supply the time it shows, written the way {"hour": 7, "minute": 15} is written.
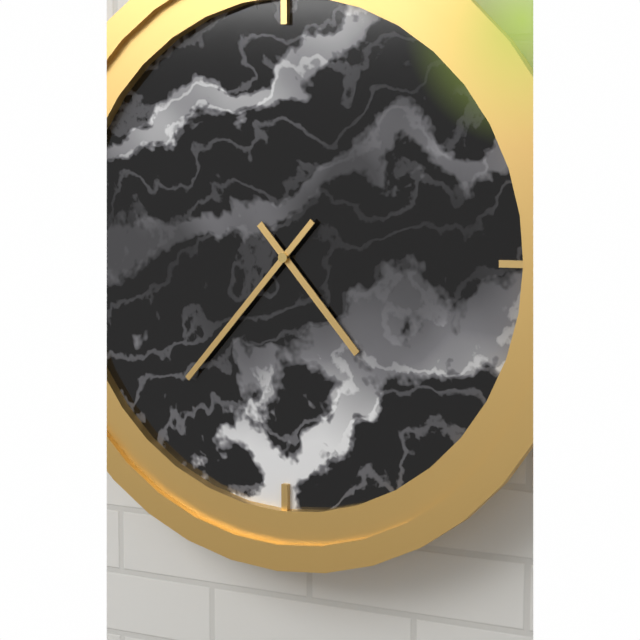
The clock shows {"hour": 4, "minute": 37}
